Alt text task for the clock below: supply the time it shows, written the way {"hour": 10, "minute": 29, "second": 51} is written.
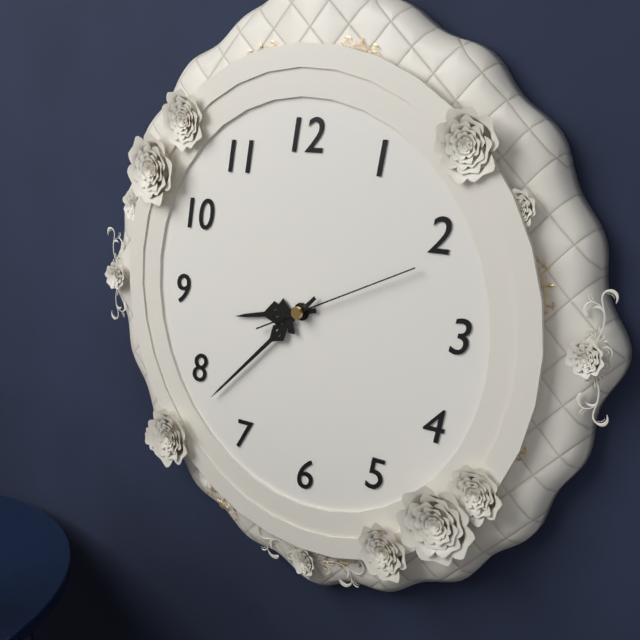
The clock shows {"hour": 8, "minute": 38, "second": 11}
